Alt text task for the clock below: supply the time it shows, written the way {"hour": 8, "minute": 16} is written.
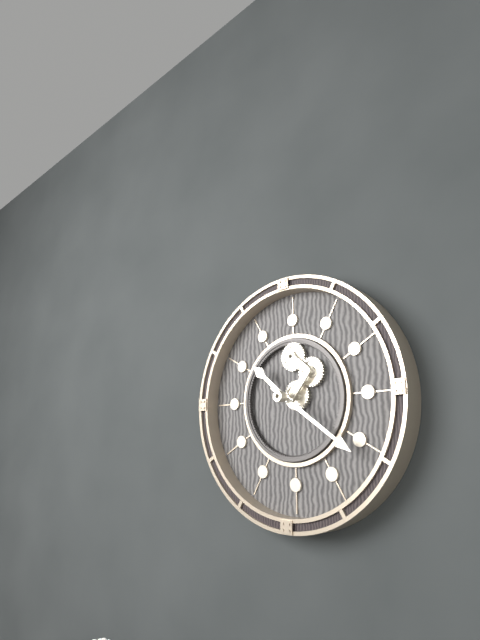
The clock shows {"hour": 10, "minute": 21}
